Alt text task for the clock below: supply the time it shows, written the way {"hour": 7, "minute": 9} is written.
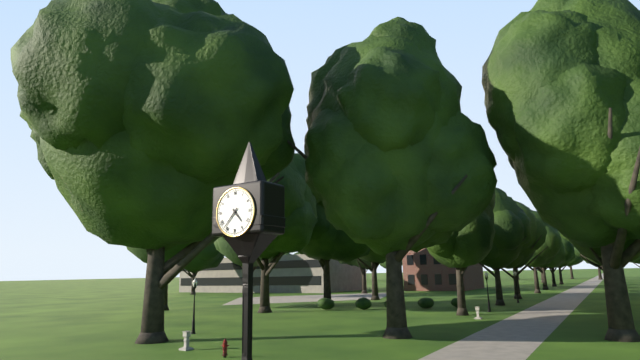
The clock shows {"hour": 4, "minute": 37}
